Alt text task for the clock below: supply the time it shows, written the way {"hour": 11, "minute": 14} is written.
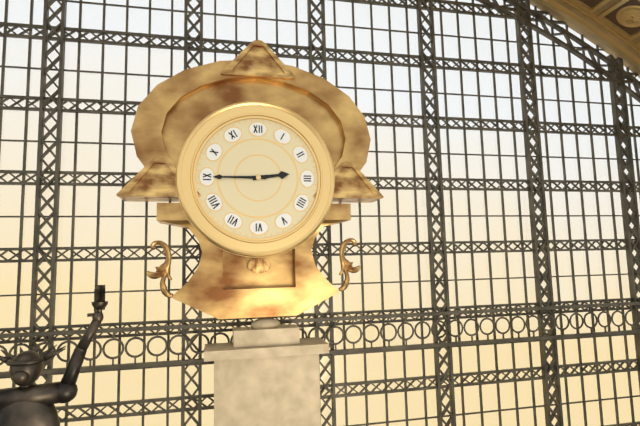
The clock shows {"hour": 2, "minute": 45}
